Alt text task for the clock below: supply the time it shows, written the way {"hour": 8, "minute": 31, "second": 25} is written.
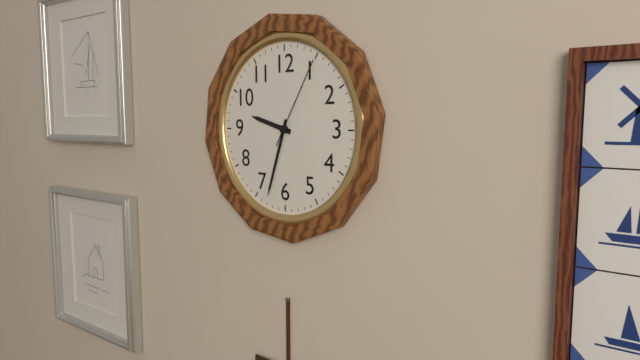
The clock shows {"hour": 9, "minute": 33, "second": 5}
